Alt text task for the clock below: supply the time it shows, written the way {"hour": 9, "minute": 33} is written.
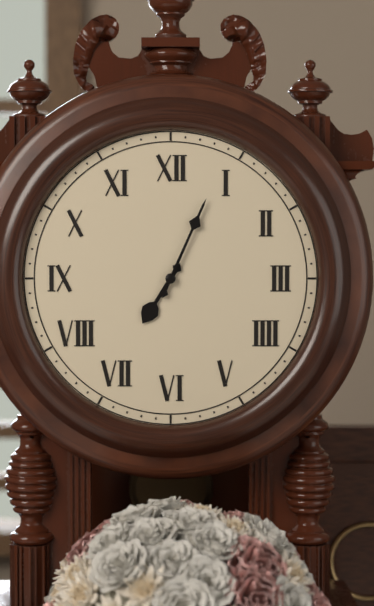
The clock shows {"hour": 7, "minute": 4}
